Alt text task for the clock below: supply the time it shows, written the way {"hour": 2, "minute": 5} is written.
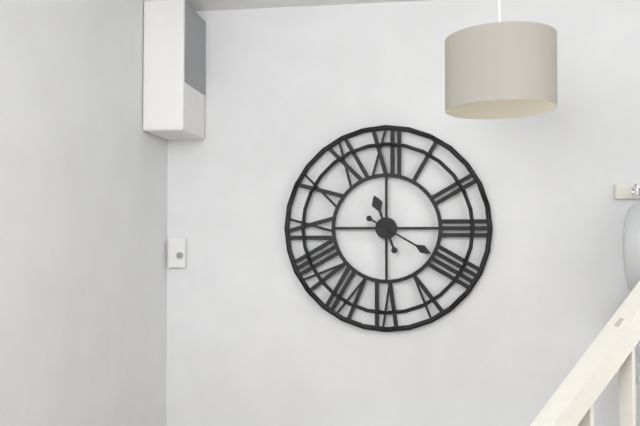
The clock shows {"hour": 11, "minute": 20}
